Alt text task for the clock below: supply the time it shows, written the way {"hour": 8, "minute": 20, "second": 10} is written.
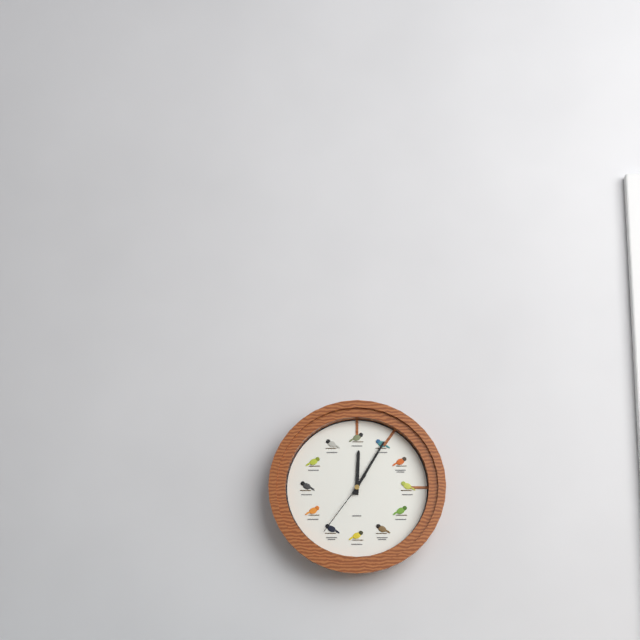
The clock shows {"hour": 12, "minute": 5, "second": 36}
